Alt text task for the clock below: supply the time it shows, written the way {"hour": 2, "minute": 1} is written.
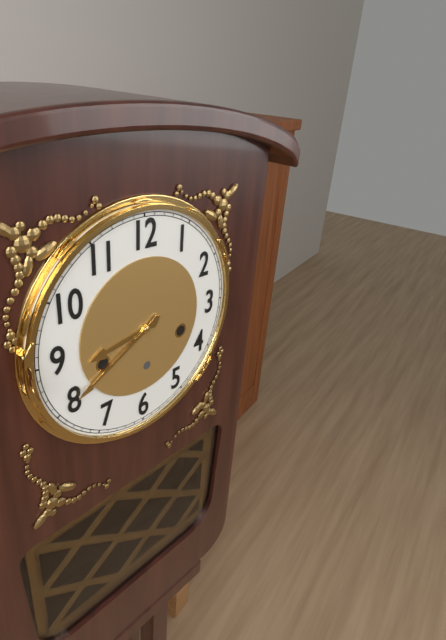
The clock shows {"hour": 8, "minute": 40}
